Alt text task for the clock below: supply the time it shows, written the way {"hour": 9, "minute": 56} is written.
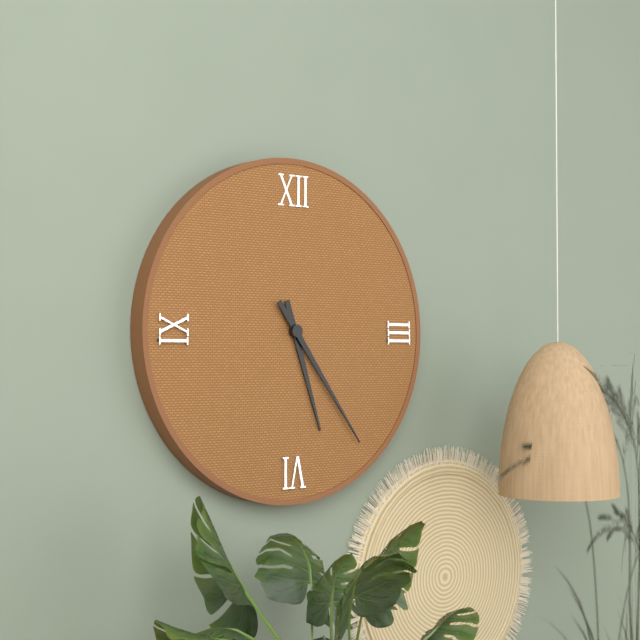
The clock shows {"hour": 5, "minute": 24}
